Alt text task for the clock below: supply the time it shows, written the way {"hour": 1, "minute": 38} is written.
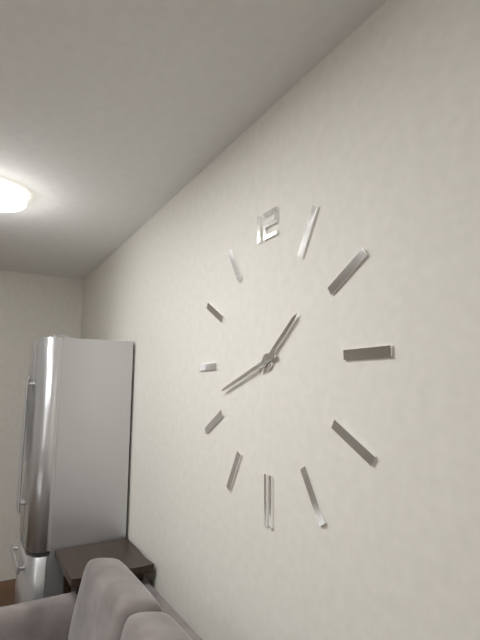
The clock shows {"hour": 1, "minute": 42}
